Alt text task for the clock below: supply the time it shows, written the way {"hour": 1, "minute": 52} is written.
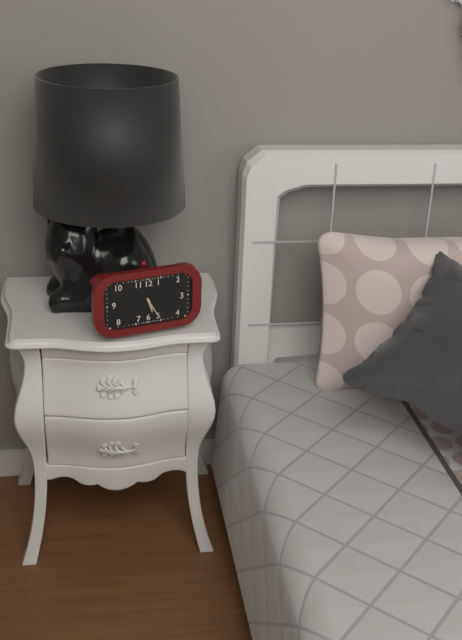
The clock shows {"hour": 5, "minute": 25}
